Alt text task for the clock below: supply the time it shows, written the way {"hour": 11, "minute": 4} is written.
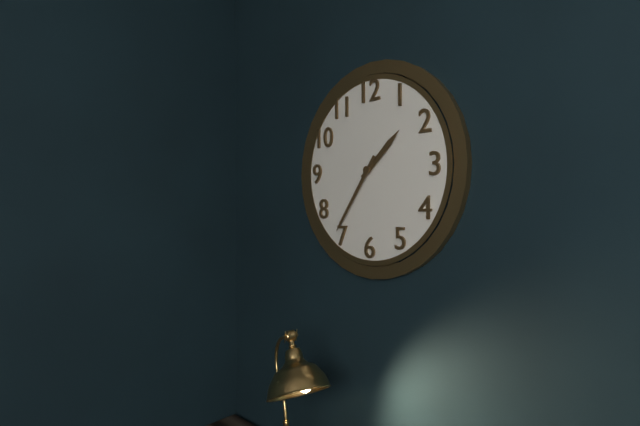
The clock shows {"hour": 1, "minute": 36}
